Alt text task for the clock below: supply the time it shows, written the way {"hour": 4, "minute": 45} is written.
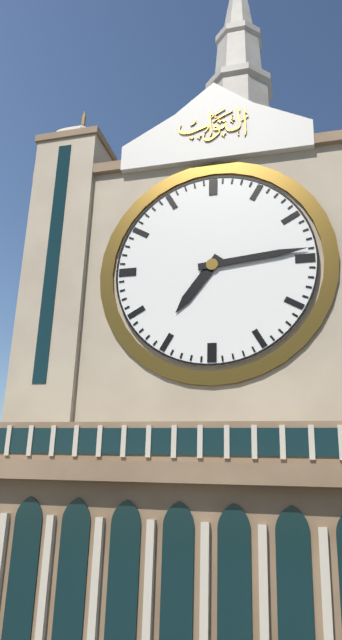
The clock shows {"hour": 7, "minute": 14}
